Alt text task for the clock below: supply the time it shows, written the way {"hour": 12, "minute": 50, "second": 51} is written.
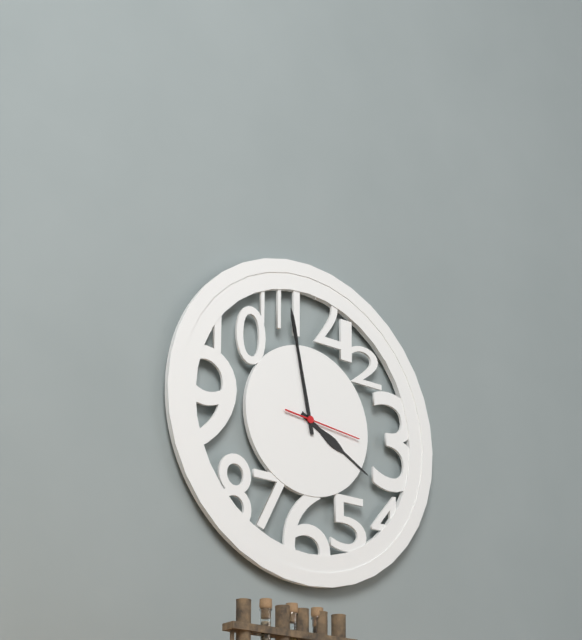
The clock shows {"hour": 3, "minute": 58, "second": 16}
